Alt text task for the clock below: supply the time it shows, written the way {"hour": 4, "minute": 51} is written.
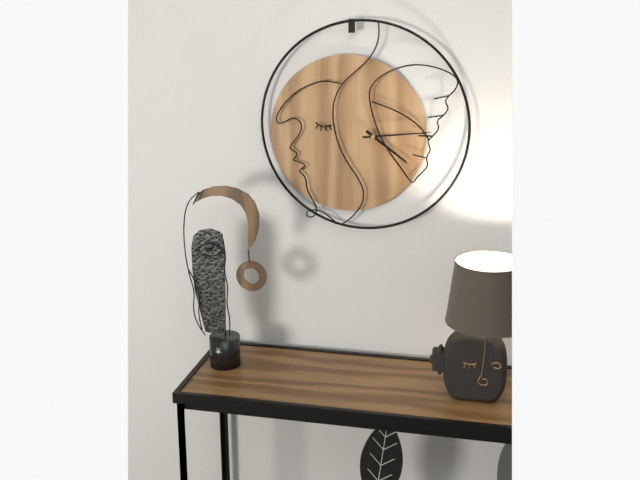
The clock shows {"hour": 4, "minute": 14}
